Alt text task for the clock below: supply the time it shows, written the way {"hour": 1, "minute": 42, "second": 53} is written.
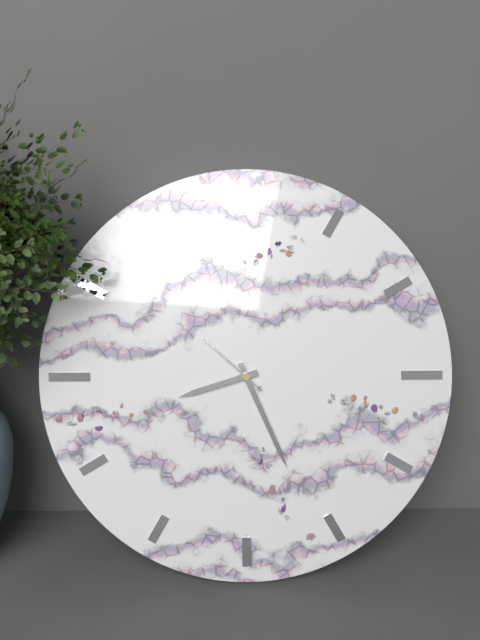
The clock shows {"hour": 8, "minute": 26, "second": 52}
